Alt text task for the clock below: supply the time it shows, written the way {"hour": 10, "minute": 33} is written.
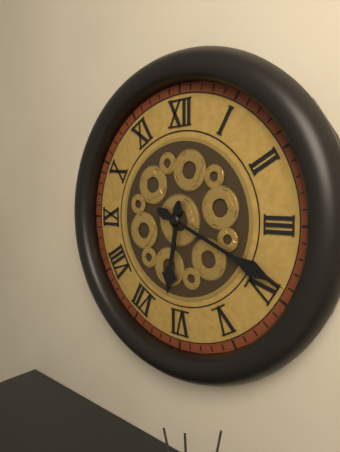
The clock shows {"hour": 6, "minute": 19}
